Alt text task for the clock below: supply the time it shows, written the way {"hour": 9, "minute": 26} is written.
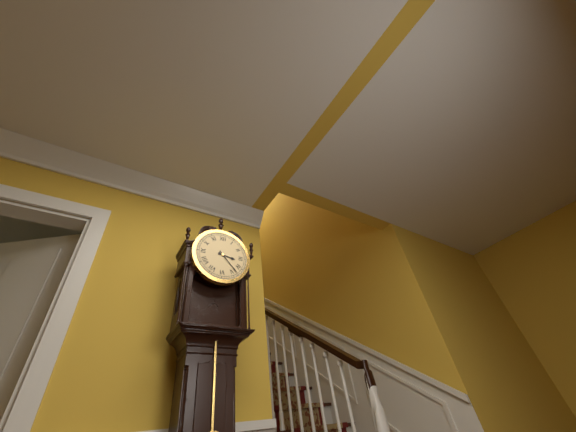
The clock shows {"hour": 3, "minute": 23}
